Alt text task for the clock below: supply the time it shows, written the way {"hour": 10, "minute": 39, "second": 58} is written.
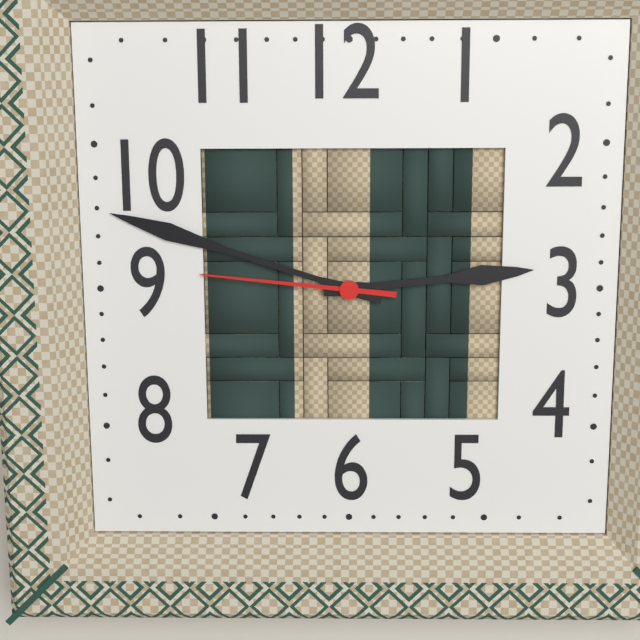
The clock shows {"hour": 2, "minute": 48, "second": 46}
